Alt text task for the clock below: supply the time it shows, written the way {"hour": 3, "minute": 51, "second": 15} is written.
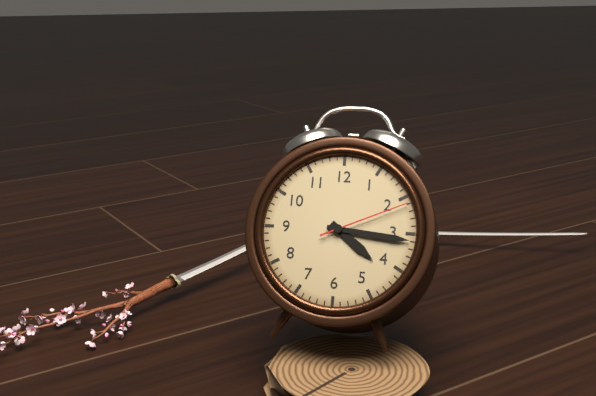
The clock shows {"hour": 4, "minute": 16, "second": 11}
